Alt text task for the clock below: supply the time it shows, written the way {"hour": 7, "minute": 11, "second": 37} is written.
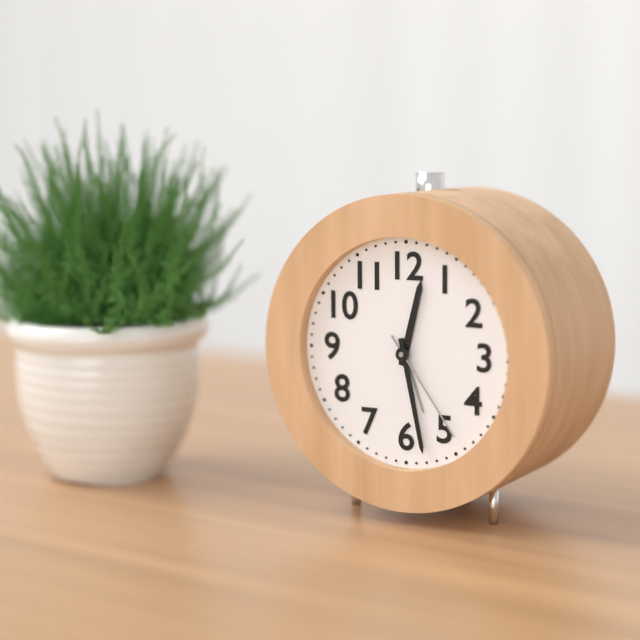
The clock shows {"hour": 12, "minute": 28, "second": 24}
